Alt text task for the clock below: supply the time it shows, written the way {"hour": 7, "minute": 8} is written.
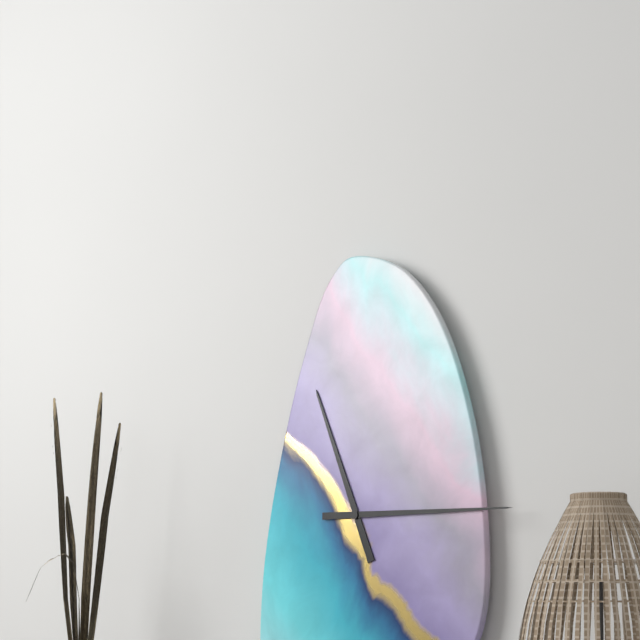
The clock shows {"hour": 11, "minute": 15}
